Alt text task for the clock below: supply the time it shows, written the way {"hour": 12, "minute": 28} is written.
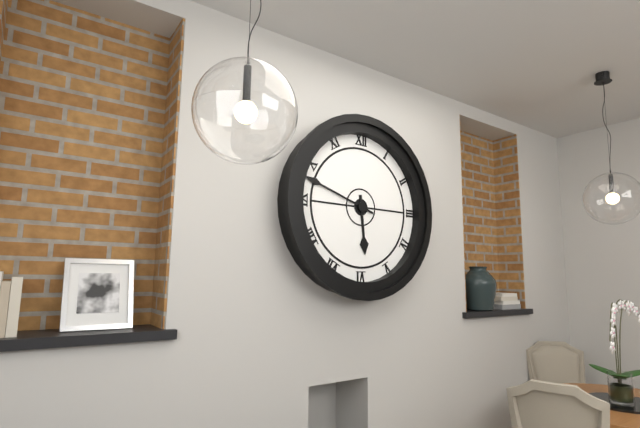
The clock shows {"hour": 5, "minute": 48}
